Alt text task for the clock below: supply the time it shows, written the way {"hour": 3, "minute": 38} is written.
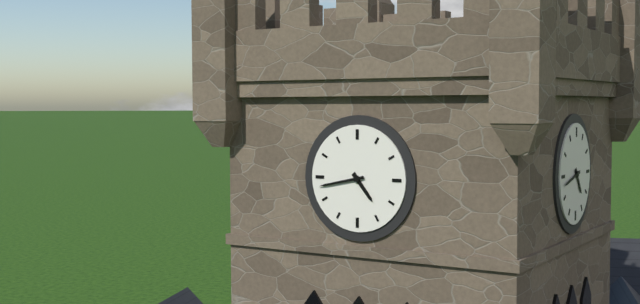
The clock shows {"hour": 4, "minute": 43}
